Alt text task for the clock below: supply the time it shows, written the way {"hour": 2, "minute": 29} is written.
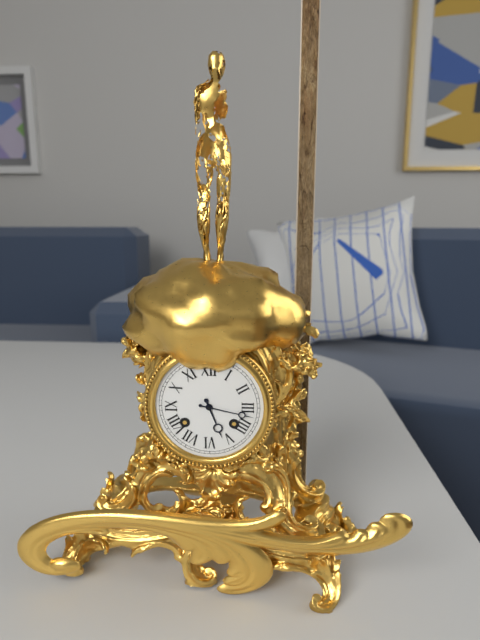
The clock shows {"hour": 5, "minute": 17}
